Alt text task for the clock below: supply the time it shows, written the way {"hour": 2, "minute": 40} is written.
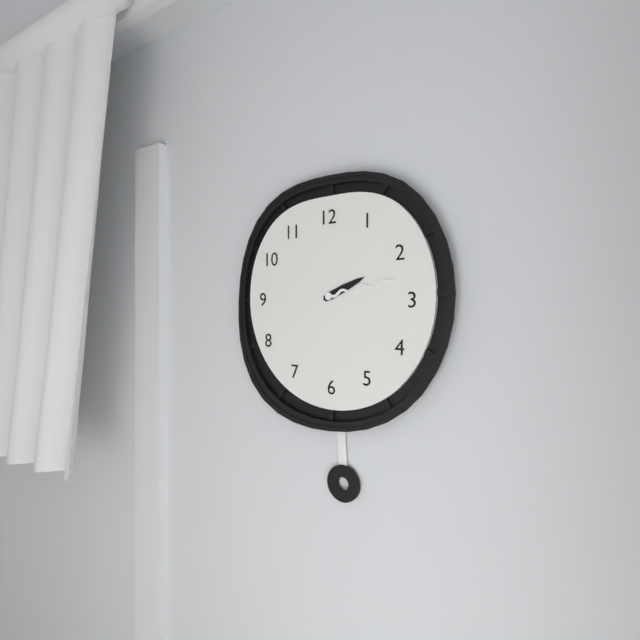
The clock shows {"hour": 2, "minute": 13}
